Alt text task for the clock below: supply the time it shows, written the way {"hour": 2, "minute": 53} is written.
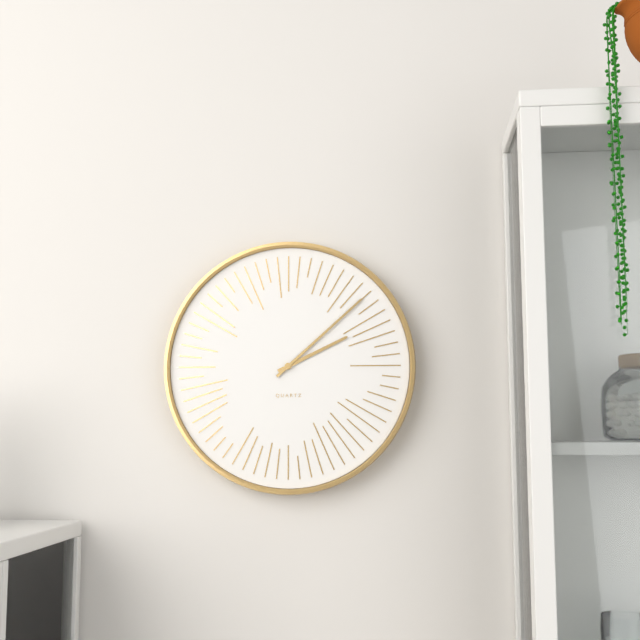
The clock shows {"hour": 2, "minute": 8}
